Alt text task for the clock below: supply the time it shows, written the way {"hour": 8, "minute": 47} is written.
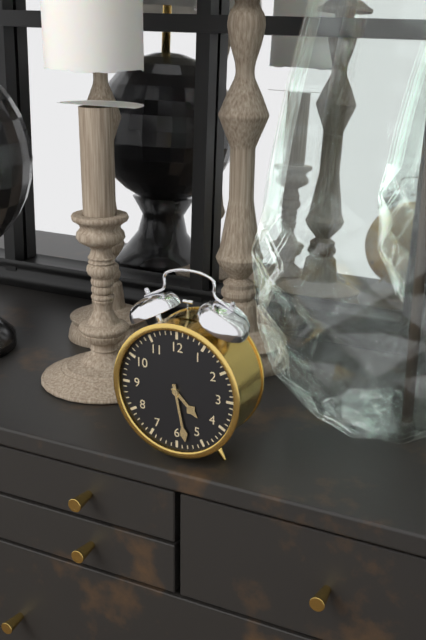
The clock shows {"hour": 4, "minute": 28}
